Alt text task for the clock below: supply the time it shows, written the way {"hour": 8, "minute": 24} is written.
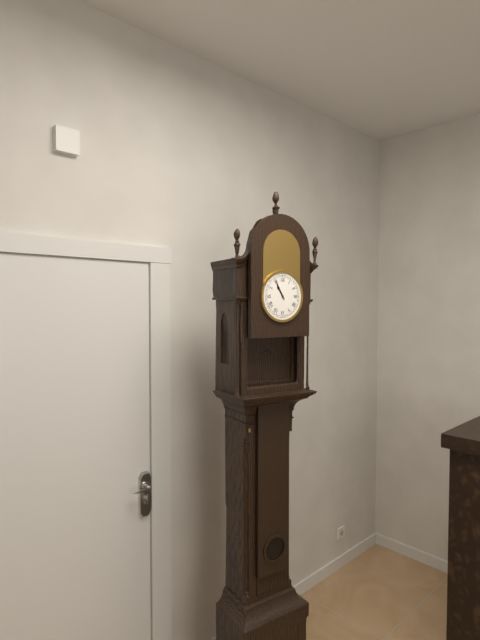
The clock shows {"hour": 10, "minute": 55}
